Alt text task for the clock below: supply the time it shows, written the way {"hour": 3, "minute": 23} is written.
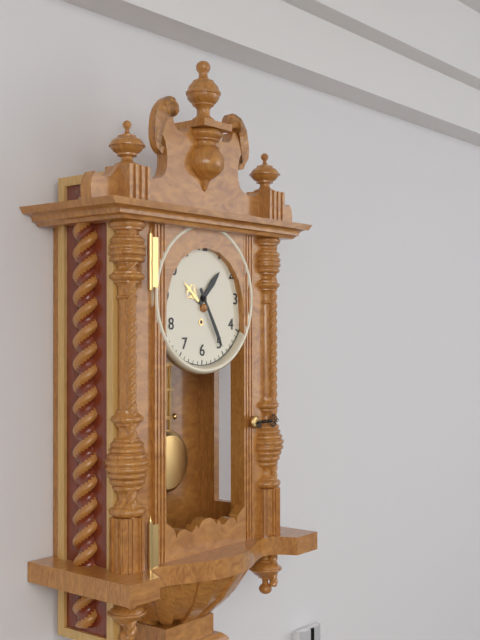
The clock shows {"hour": 1, "minute": 25}
